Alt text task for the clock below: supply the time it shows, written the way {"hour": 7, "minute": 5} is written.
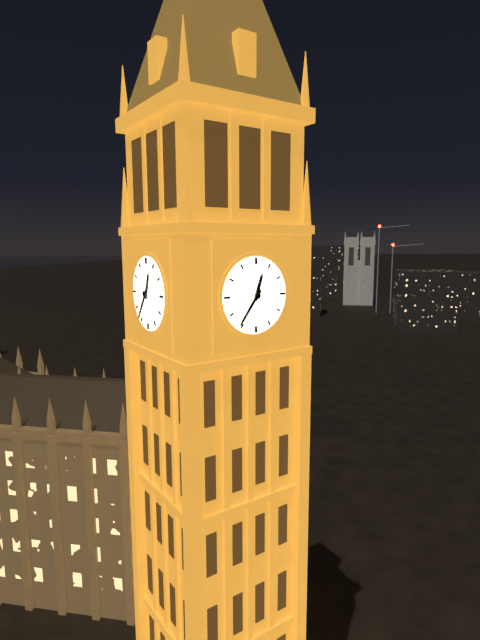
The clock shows {"hour": 12, "minute": 36}
